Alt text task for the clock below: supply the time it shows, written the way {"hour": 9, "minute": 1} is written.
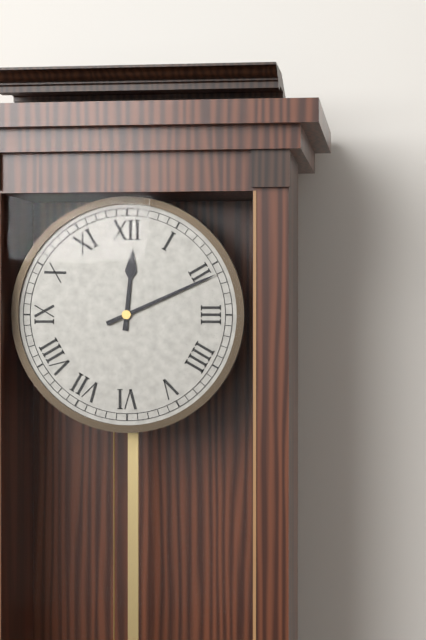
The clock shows {"hour": 12, "minute": 11}
